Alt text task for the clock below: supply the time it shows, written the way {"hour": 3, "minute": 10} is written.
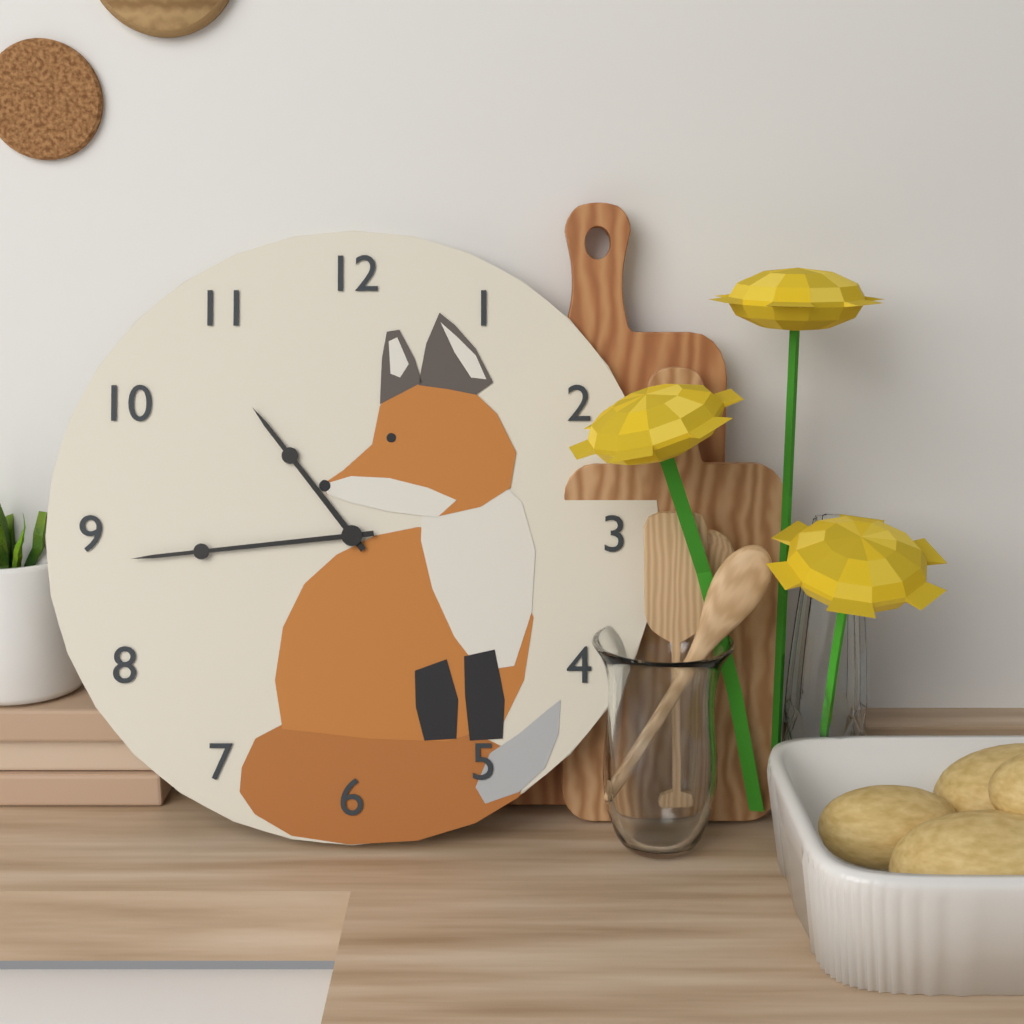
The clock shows {"hour": 10, "minute": 44}
